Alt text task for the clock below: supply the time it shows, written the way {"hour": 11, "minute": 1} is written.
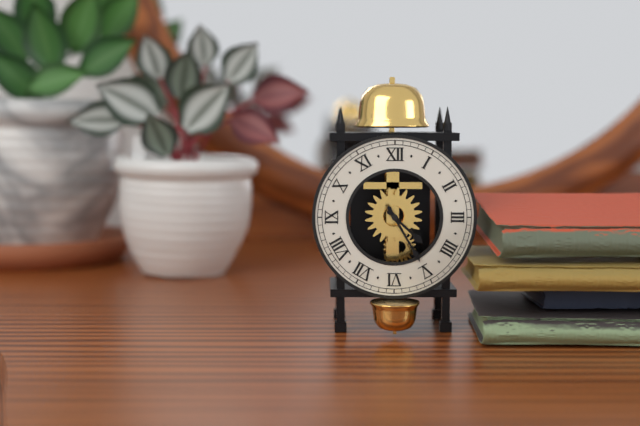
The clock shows {"hour": 4, "minute": 25}
